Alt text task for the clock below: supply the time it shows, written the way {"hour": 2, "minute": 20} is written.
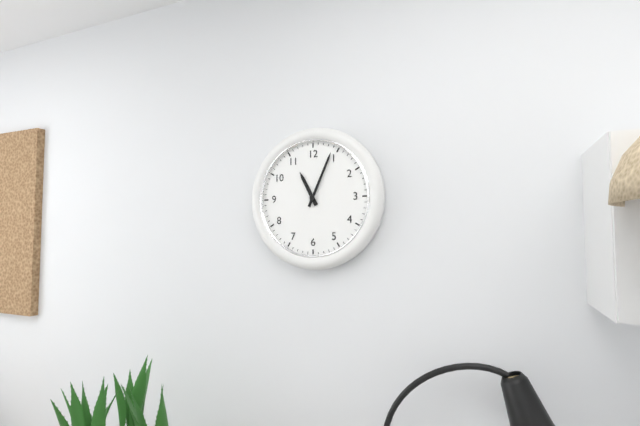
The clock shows {"hour": 11, "minute": 4}
